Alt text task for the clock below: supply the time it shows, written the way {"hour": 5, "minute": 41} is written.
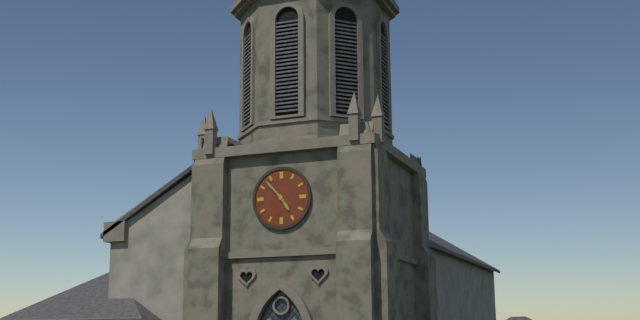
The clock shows {"hour": 4, "minute": 53}
